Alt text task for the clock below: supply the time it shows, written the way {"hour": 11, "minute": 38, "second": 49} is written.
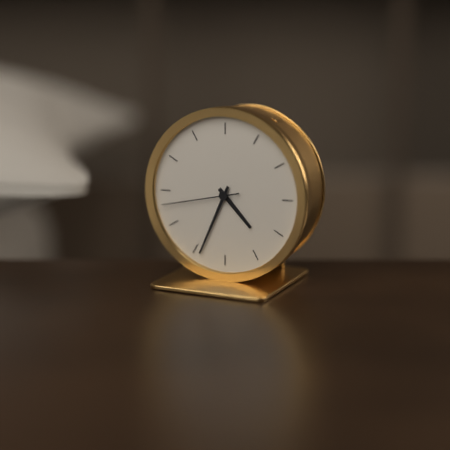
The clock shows {"hour": 4, "minute": 34, "second": 43}
